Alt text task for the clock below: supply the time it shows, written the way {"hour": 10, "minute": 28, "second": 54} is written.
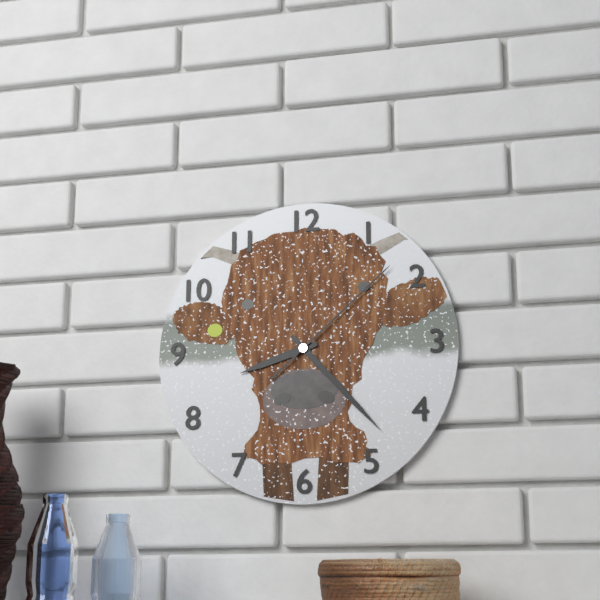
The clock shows {"hour": 8, "minute": 23, "second": 8}
